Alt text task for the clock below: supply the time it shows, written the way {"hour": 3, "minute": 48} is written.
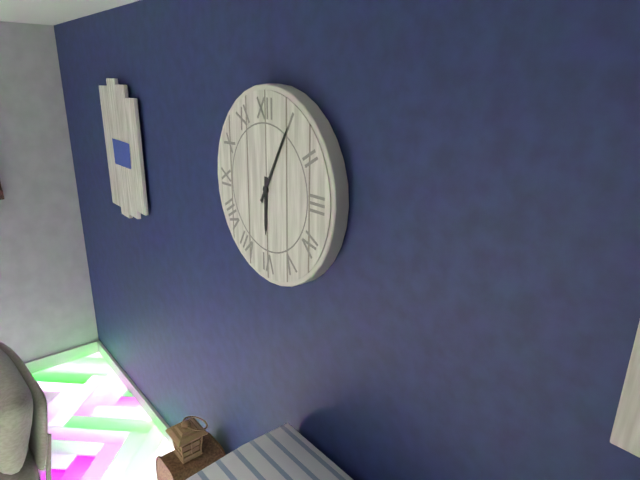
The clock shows {"hour": 6, "minute": 5}
